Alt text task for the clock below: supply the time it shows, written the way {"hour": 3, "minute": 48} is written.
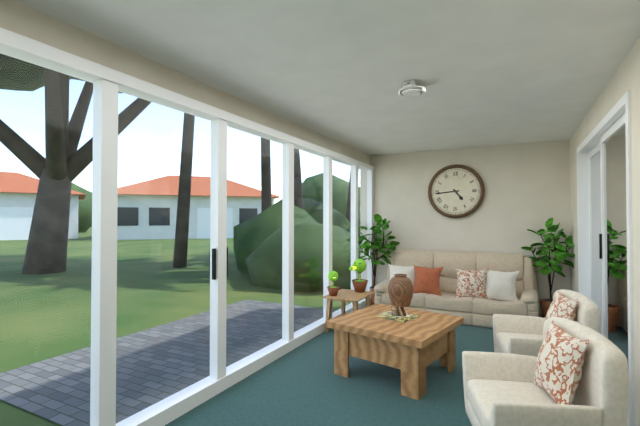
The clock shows {"hour": 4, "minute": 44}
